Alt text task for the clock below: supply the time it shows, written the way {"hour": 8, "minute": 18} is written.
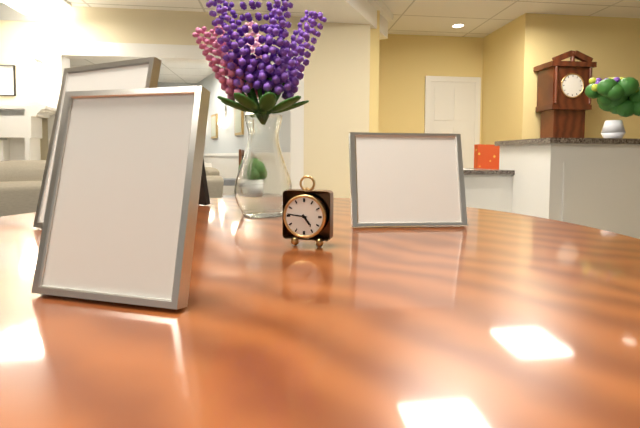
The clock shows {"hour": 4, "minute": 46}
